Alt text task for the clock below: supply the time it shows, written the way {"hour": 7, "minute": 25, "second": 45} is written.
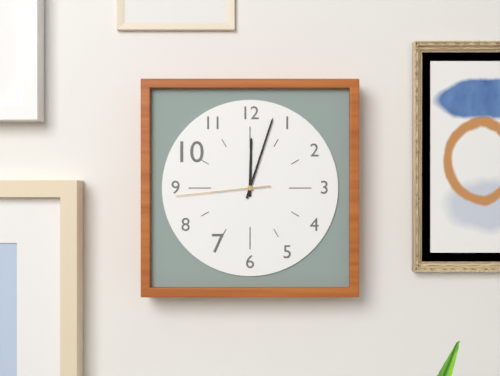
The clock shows {"hour": 12, "minute": 3, "second": 44}
